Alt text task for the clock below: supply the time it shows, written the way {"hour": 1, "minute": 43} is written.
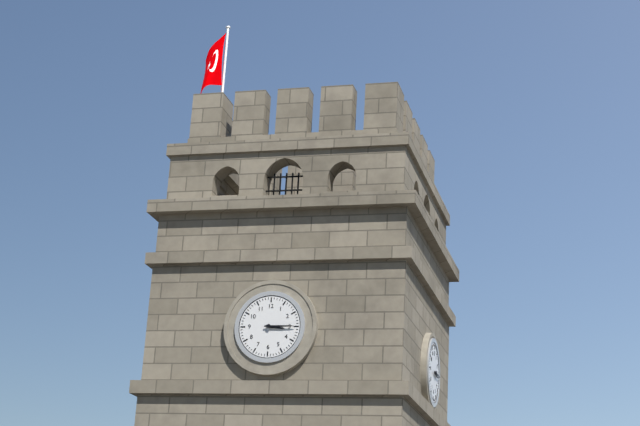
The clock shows {"hour": 3, "minute": 15}
